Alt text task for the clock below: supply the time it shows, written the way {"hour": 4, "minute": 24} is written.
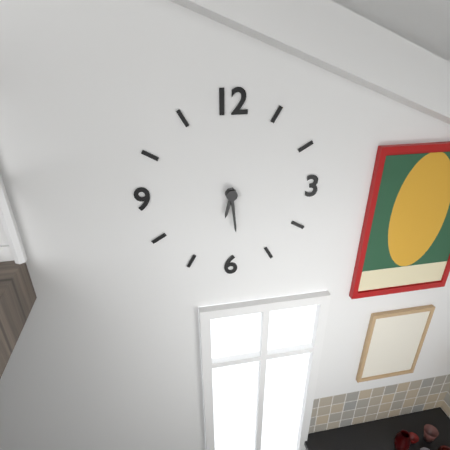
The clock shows {"hour": 6, "minute": 29}
